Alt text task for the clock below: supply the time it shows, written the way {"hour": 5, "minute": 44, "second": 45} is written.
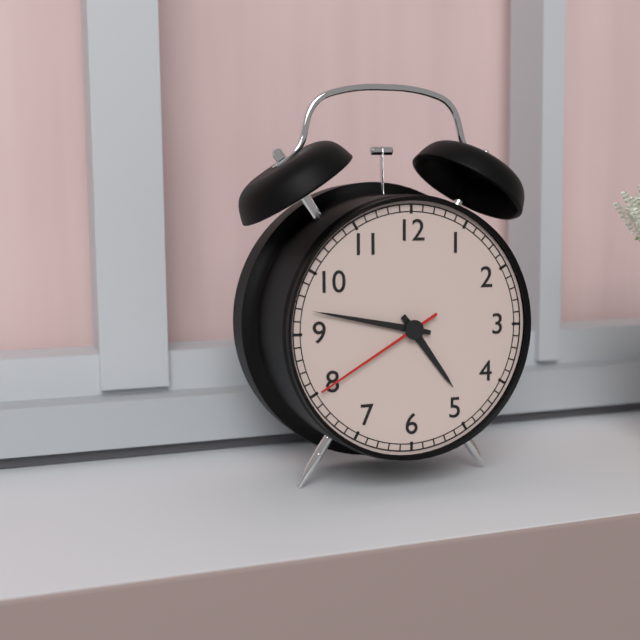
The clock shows {"hour": 4, "minute": 47, "second": 40}
